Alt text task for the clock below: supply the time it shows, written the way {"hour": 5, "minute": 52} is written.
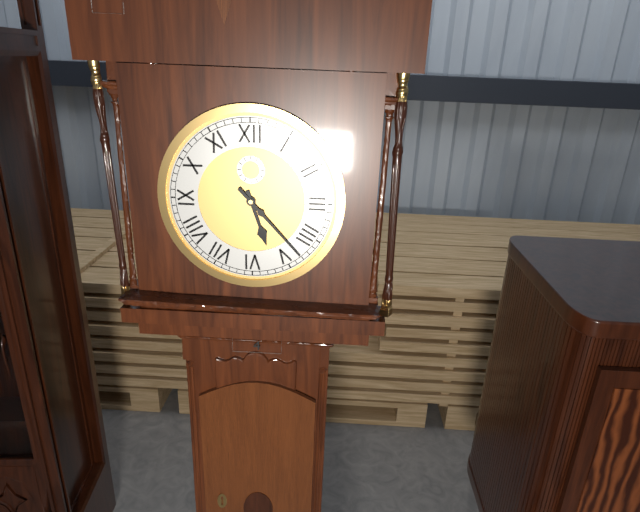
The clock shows {"hour": 5, "minute": 23}
